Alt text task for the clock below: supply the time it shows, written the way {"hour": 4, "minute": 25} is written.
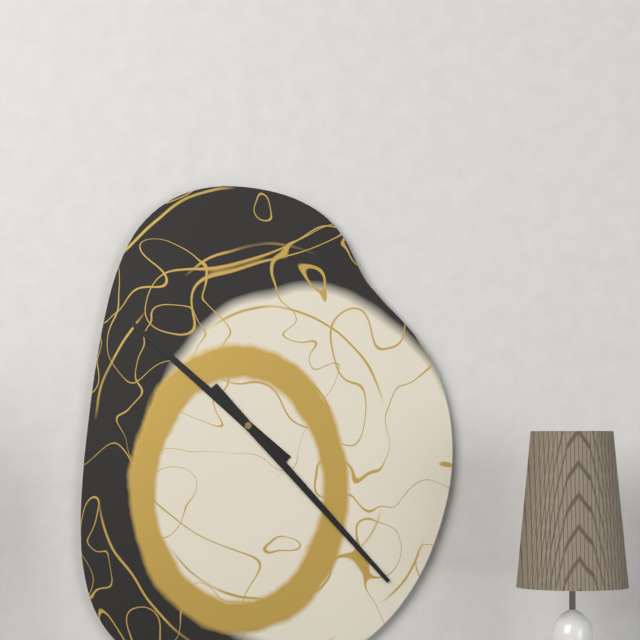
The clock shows {"hour": 10, "minute": 23}
